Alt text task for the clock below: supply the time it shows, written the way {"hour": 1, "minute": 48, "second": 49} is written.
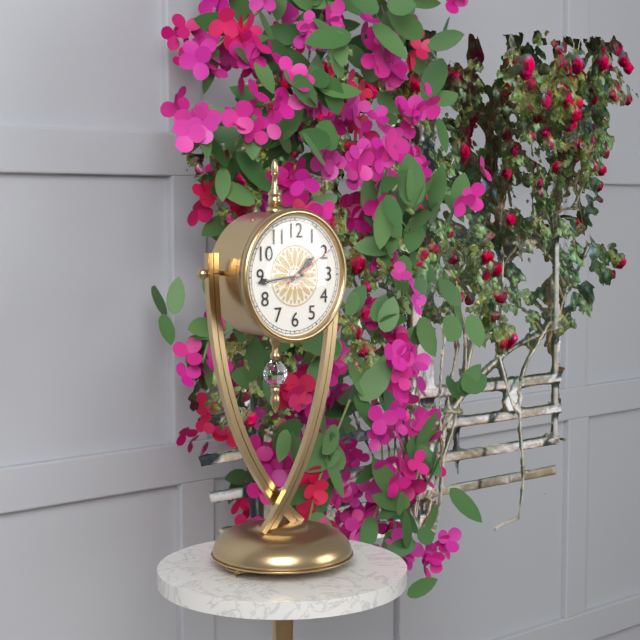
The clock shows {"hour": 1, "minute": 44, "second": 10}
